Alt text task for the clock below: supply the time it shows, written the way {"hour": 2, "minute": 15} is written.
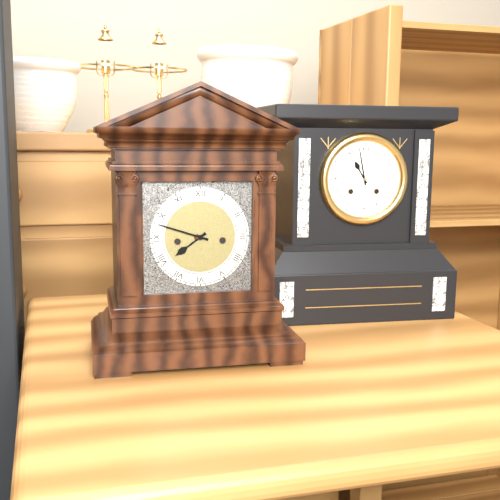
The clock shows {"hour": 7, "minute": 48}
